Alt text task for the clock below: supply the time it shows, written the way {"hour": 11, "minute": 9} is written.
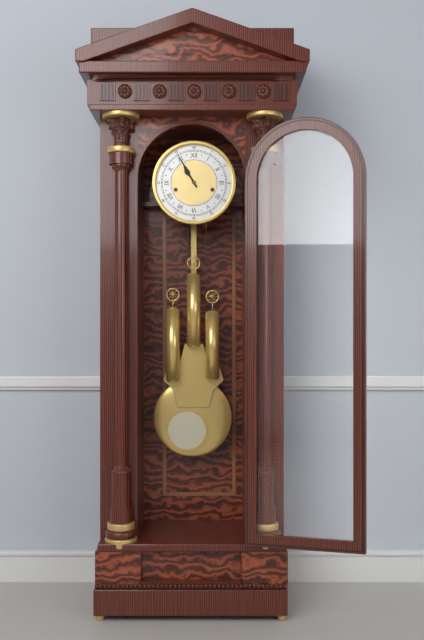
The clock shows {"hour": 10, "minute": 55}
